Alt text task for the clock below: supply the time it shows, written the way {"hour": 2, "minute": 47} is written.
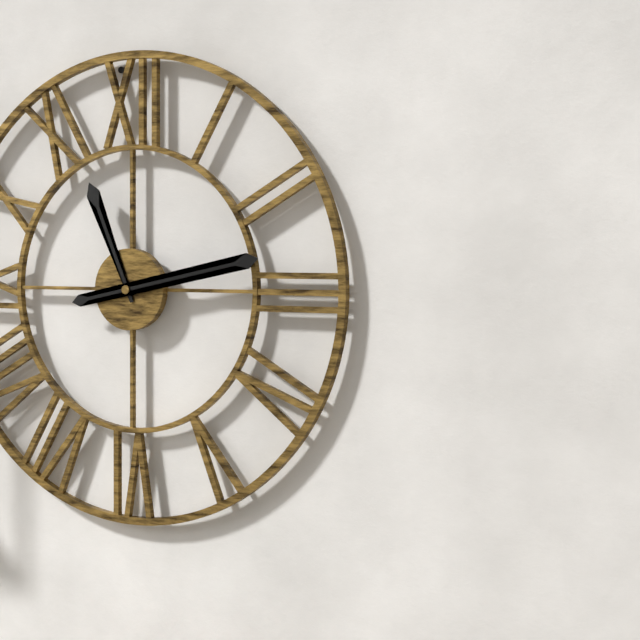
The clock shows {"hour": 11, "minute": 13}
